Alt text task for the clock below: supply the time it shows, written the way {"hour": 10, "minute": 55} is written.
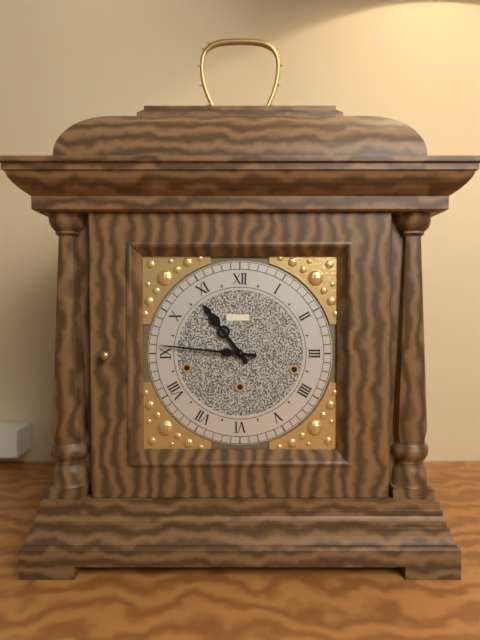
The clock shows {"hour": 10, "minute": 46}
